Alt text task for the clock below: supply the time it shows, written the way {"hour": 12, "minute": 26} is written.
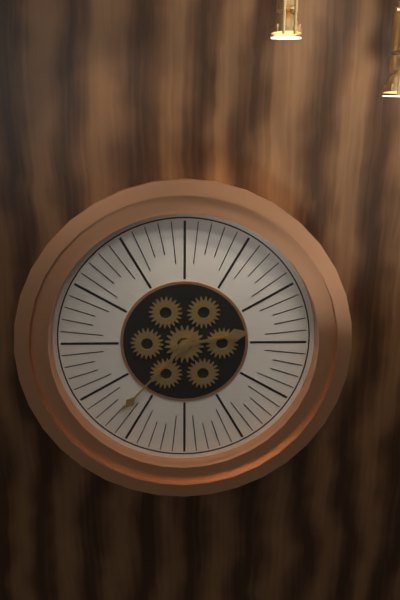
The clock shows {"hour": 2, "minute": 37}
